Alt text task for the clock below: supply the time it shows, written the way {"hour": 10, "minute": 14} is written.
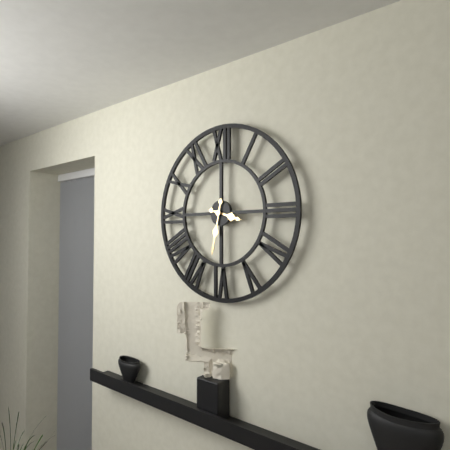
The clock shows {"hour": 3, "minute": 32}
